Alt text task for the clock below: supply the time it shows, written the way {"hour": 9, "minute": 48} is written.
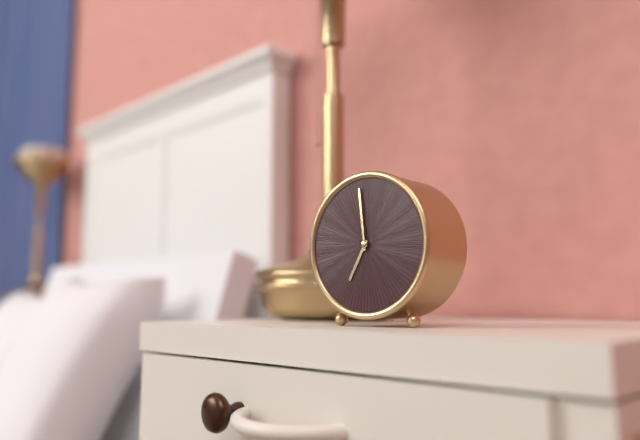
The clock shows {"hour": 6, "minute": 59}
